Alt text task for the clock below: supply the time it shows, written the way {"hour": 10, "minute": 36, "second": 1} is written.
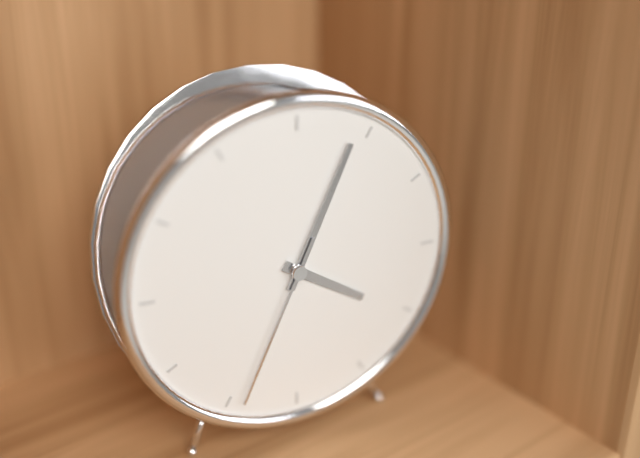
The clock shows {"hour": 4, "minute": 4, "second": 34}
